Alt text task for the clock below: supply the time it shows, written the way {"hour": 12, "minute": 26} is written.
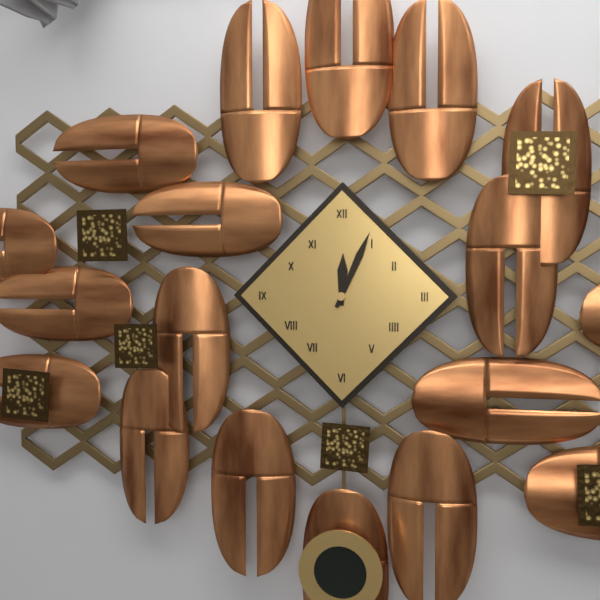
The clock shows {"hour": 12, "minute": 4}
